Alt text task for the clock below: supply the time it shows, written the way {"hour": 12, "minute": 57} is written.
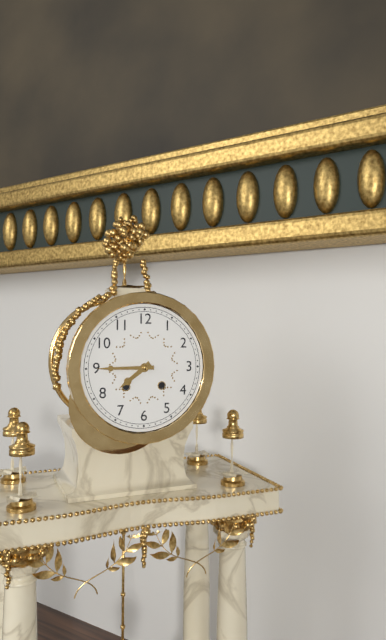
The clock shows {"hour": 7, "minute": 45}
